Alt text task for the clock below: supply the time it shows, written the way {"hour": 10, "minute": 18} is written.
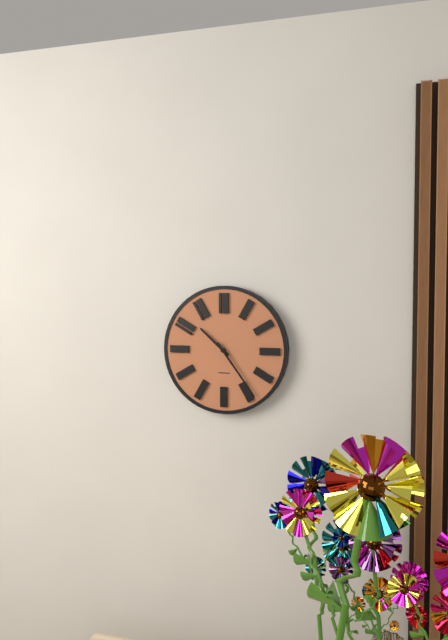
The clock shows {"hour": 10, "minute": 24}
